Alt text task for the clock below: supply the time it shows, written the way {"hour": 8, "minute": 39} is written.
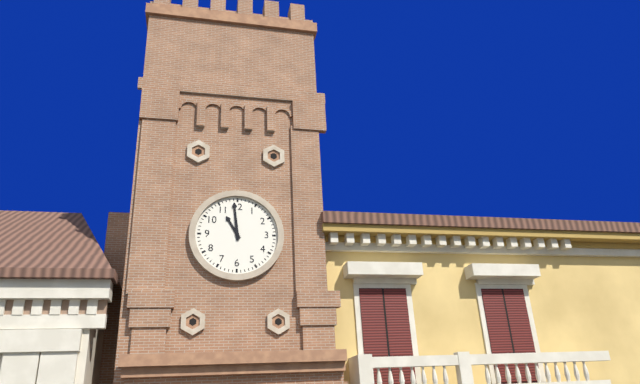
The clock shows {"hour": 10, "minute": 59}
